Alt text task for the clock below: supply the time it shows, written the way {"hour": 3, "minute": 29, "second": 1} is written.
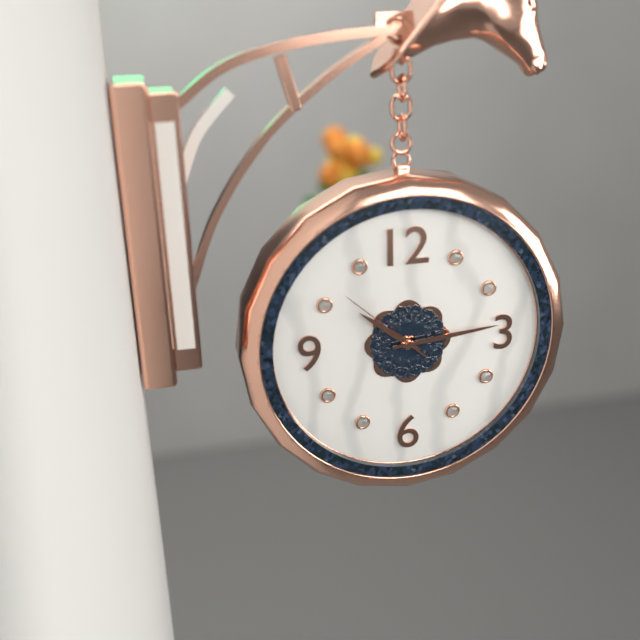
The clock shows {"hour": 10, "minute": 14, "second": 52}
